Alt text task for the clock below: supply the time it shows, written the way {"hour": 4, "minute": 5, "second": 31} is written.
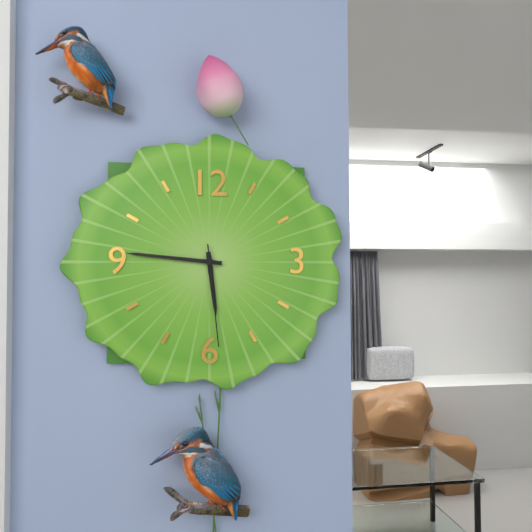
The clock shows {"hour": 5, "minute": 46, "second": 29}
